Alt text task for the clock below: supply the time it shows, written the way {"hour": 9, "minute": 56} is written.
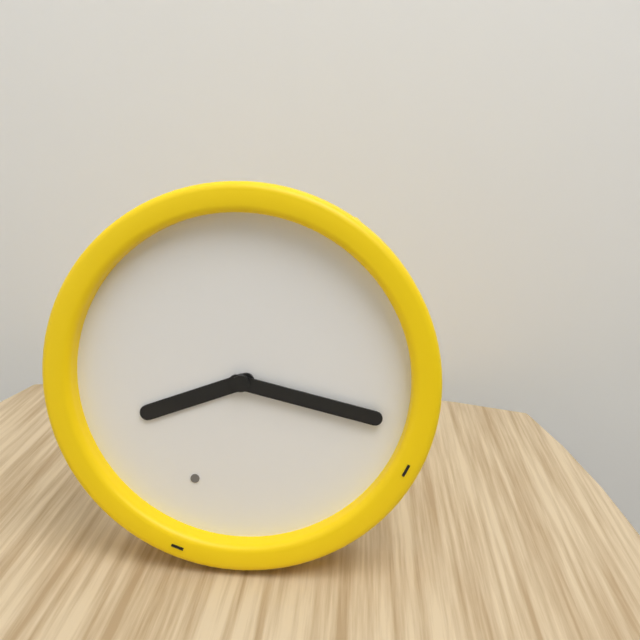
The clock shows {"hour": 8, "minute": 17}
